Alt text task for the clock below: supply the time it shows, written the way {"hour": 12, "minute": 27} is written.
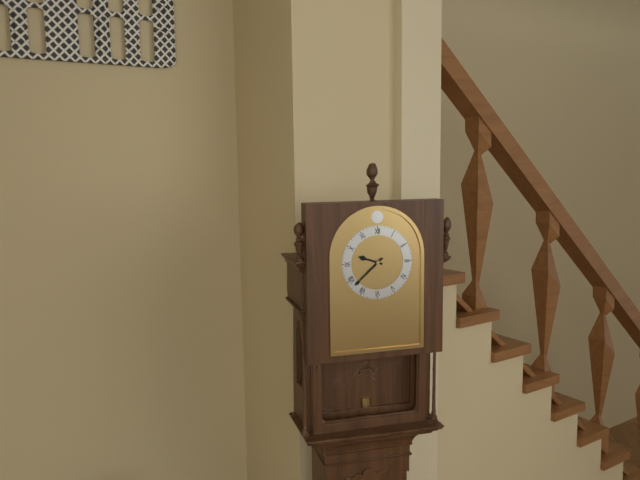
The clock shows {"hour": 9, "minute": 38}
